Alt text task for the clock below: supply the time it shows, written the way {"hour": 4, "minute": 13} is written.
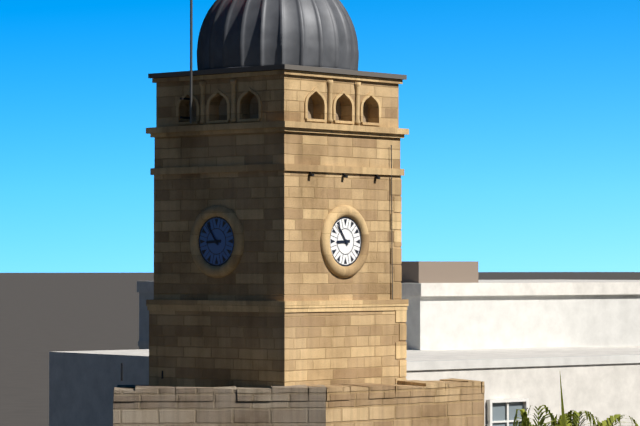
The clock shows {"hour": 8, "minute": 54}
